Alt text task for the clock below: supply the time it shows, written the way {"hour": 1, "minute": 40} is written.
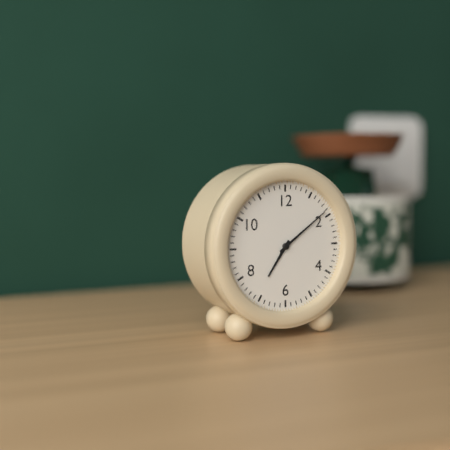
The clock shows {"hour": 7, "minute": 9}
